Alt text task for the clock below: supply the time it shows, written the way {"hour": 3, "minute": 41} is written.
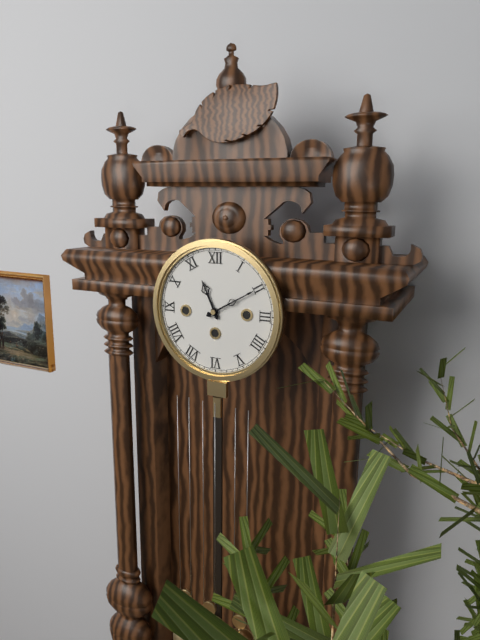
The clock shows {"hour": 11, "minute": 10}
